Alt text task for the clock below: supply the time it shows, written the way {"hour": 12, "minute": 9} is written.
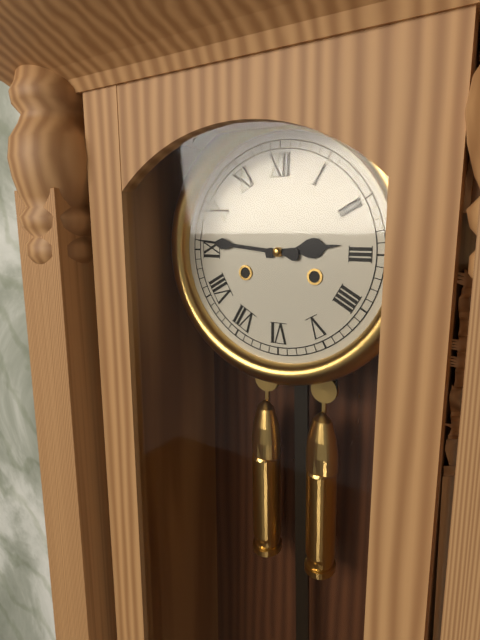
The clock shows {"hour": 2, "minute": 46}
